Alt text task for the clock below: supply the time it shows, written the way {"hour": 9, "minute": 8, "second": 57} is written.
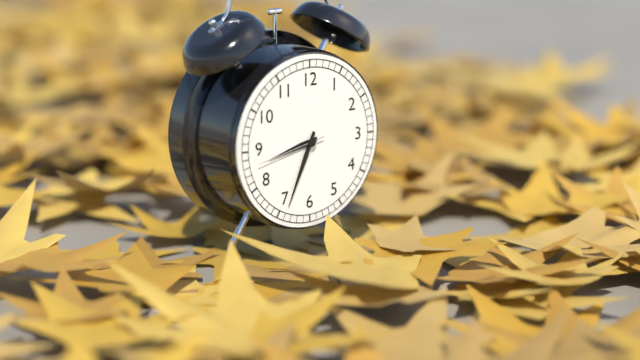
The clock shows {"hour": 8, "minute": 34, "second": 43}
